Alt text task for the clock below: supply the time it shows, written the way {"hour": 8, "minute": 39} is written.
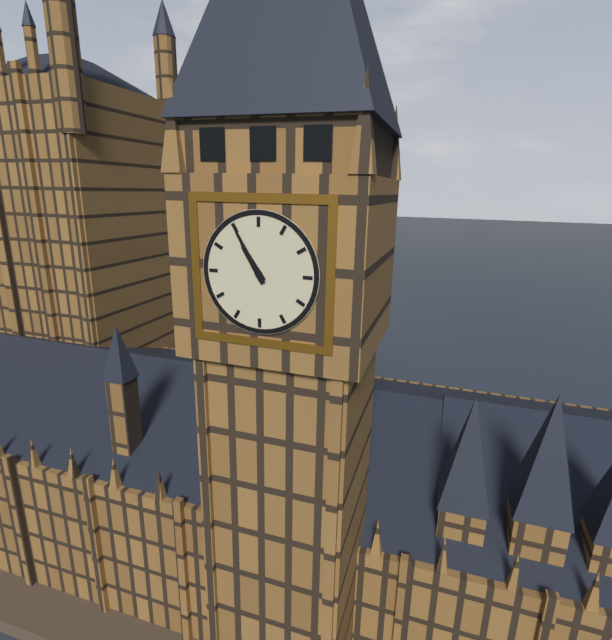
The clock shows {"hour": 10, "minute": 55}
